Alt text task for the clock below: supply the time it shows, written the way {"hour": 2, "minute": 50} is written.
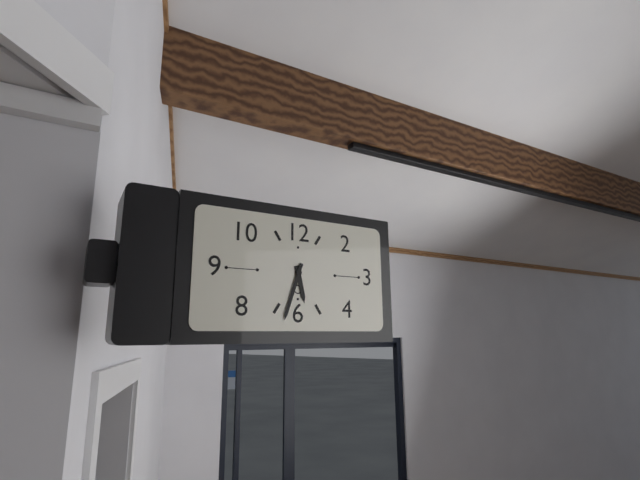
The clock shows {"hour": 5, "minute": 33}
